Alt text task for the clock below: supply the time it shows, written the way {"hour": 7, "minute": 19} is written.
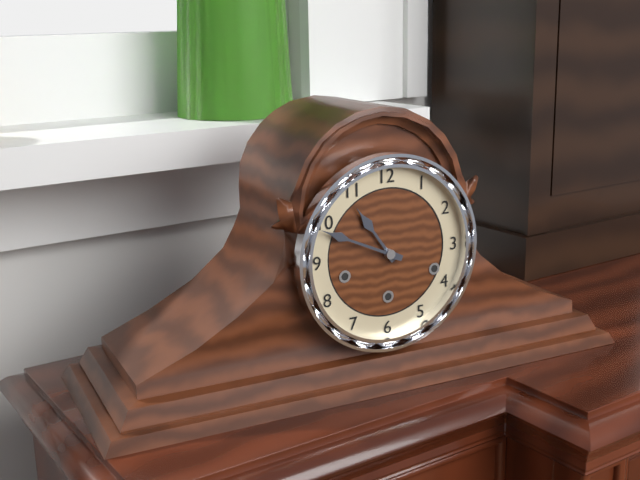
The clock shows {"hour": 10, "minute": 49}
